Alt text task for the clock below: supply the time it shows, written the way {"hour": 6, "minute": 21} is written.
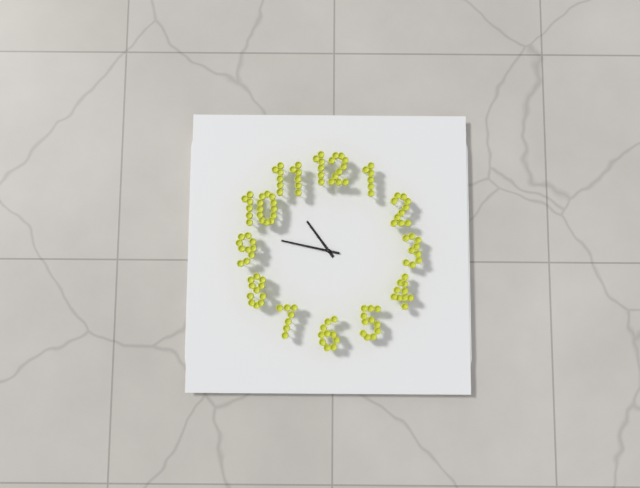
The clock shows {"hour": 10, "minute": 47}
